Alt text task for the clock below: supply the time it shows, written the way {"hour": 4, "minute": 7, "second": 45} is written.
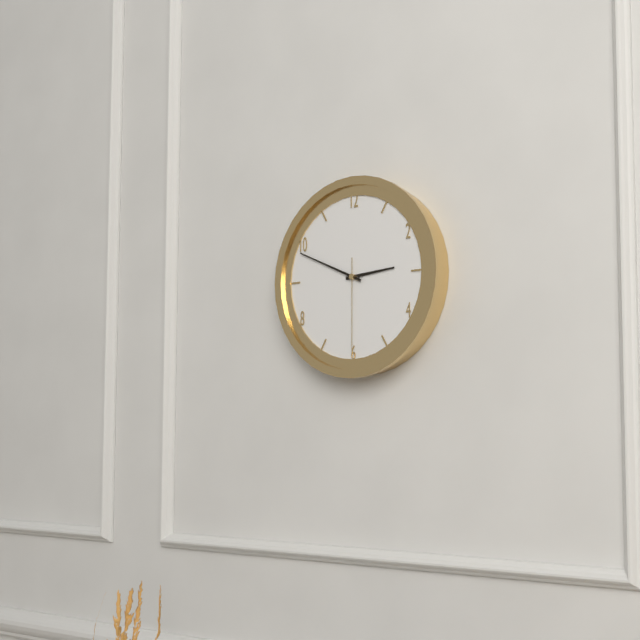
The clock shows {"hour": 2, "minute": 49, "second": 30}
